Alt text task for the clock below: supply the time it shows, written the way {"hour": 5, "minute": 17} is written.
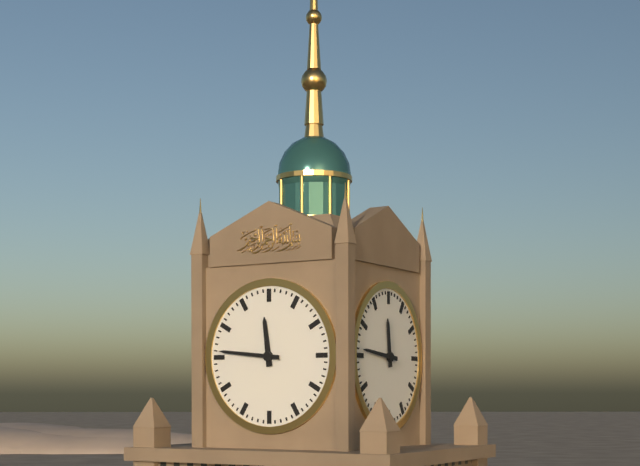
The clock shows {"hour": 11, "minute": 46}
